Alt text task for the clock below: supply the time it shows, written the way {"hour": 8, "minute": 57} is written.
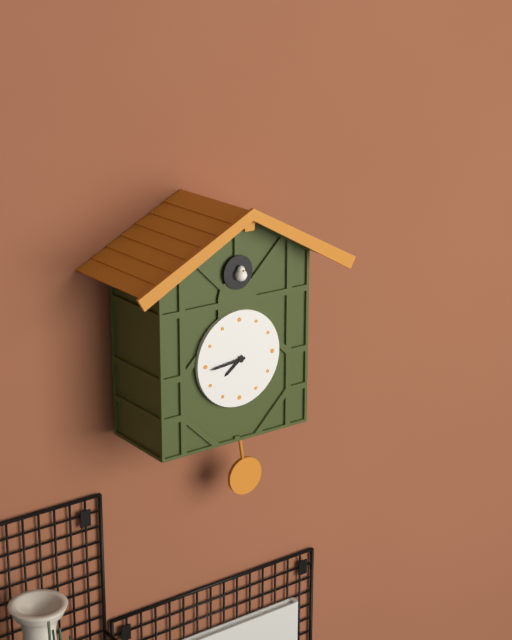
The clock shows {"hour": 7, "minute": 44}
